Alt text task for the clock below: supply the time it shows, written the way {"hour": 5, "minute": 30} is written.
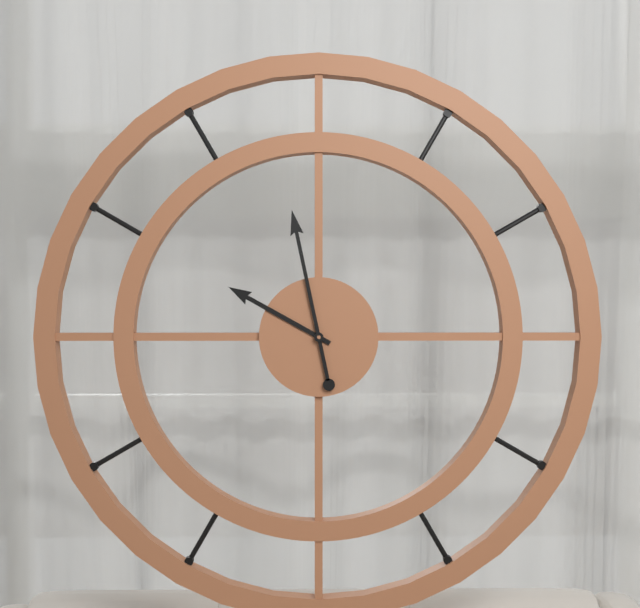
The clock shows {"hour": 9, "minute": 58}
